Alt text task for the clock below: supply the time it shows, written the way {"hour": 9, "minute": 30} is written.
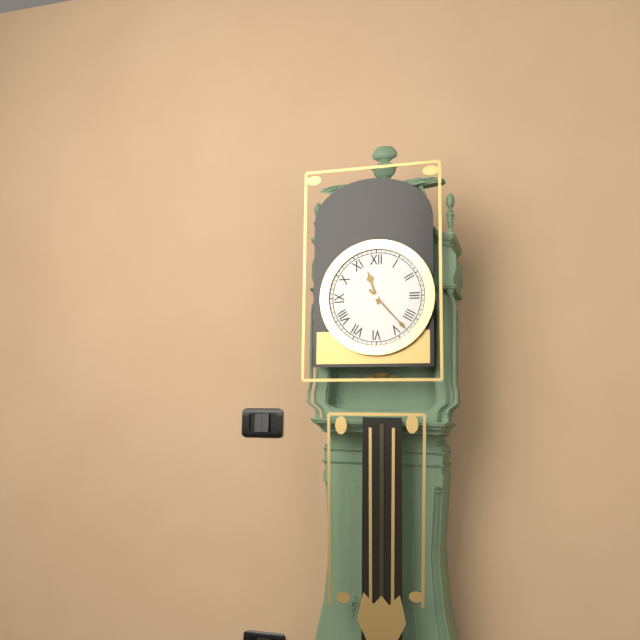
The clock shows {"hour": 11, "minute": 23}
